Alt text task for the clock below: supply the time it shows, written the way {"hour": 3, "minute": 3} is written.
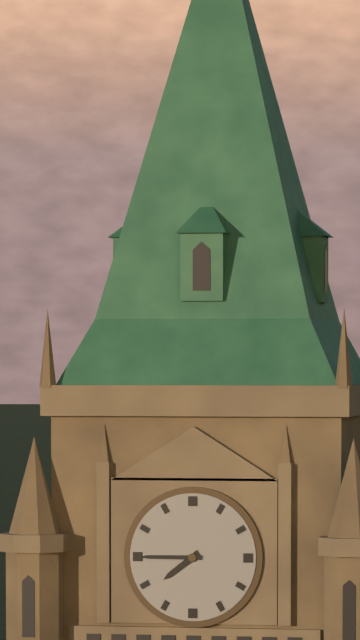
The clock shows {"hour": 7, "minute": 45}
